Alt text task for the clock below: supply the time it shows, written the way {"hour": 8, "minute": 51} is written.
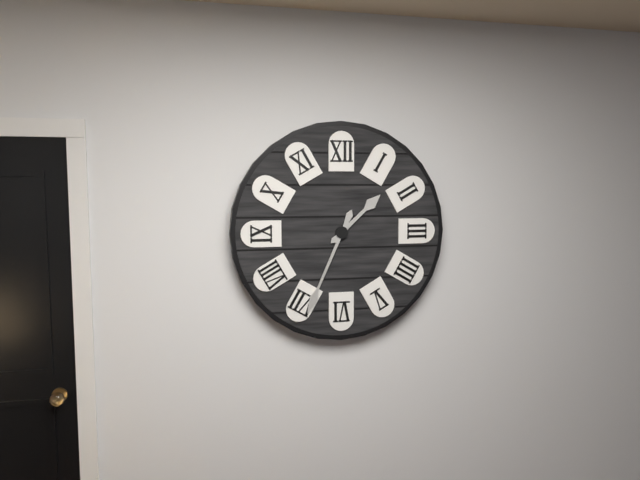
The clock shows {"hour": 1, "minute": 34}
